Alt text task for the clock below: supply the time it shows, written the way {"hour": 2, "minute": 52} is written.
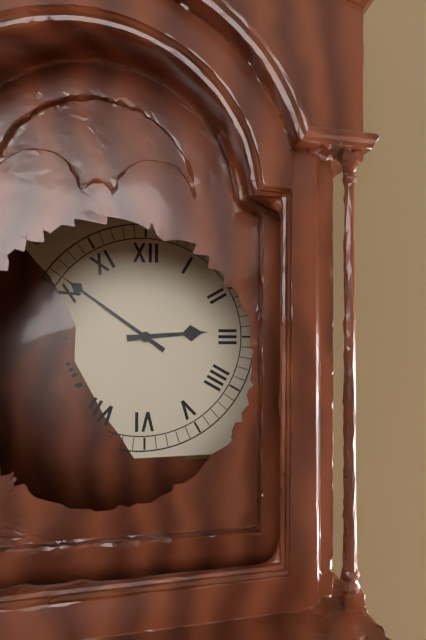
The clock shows {"hour": 2, "minute": 51}
